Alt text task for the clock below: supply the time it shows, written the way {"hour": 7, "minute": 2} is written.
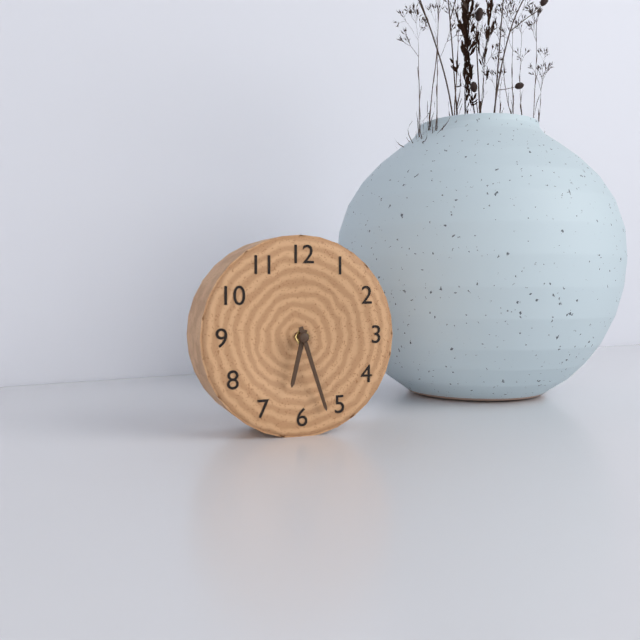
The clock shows {"hour": 6, "minute": 27}
